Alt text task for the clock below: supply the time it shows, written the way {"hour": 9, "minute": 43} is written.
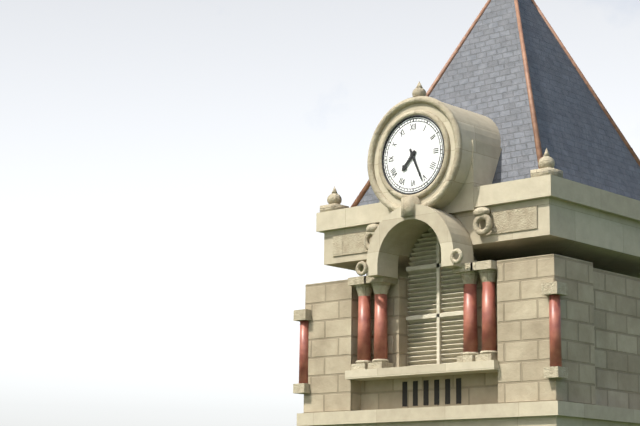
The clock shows {"hour": 7, "minute": 26}
